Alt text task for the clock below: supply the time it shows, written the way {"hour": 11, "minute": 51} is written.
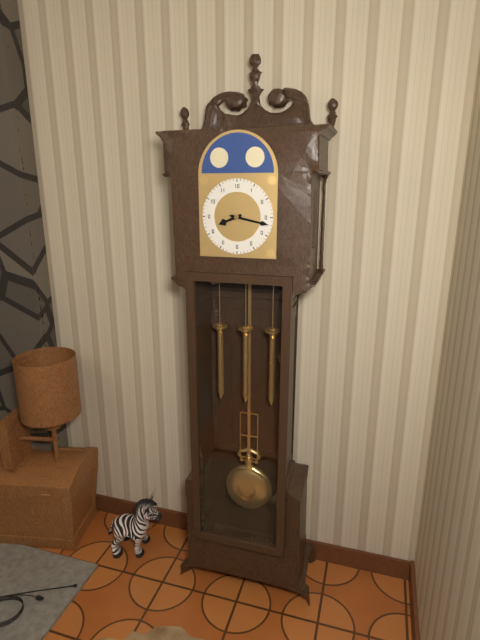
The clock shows {"hour": 8, "minute": 17}
